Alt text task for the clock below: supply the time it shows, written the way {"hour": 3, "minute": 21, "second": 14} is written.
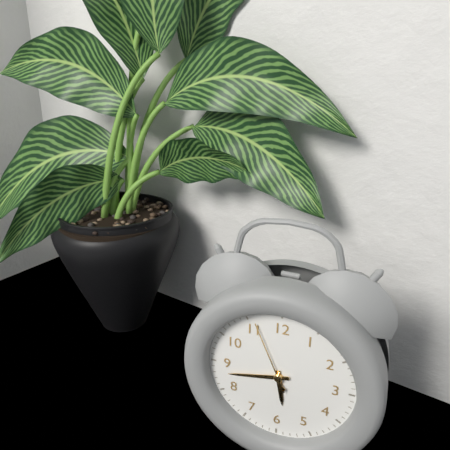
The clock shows {"hour": 5, "minute": 43, "second": 56}
